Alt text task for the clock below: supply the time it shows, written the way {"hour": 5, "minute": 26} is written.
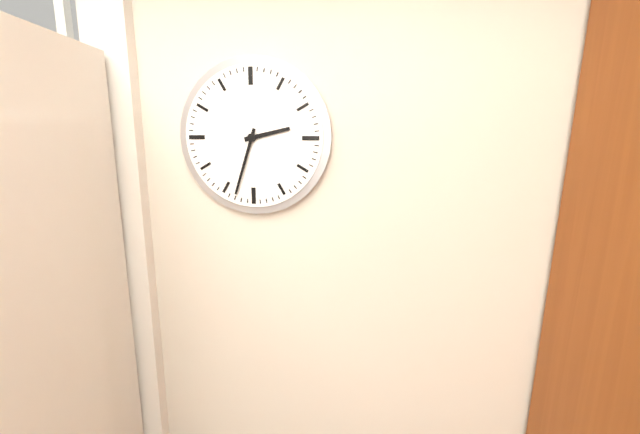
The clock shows {"hour": 2, "minute": 33}
